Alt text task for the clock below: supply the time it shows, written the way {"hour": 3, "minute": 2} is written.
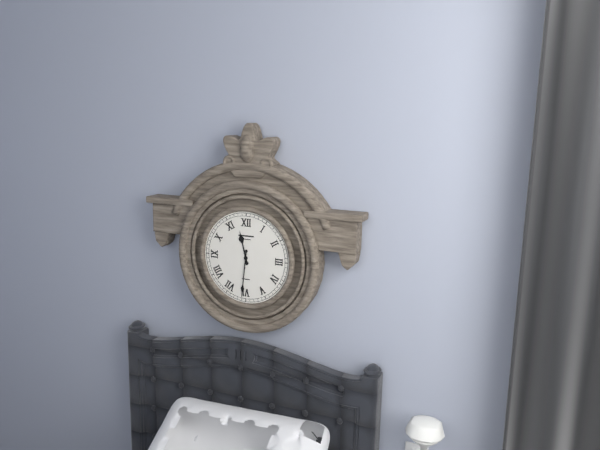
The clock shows {"hour": 11, "minute": 31}
